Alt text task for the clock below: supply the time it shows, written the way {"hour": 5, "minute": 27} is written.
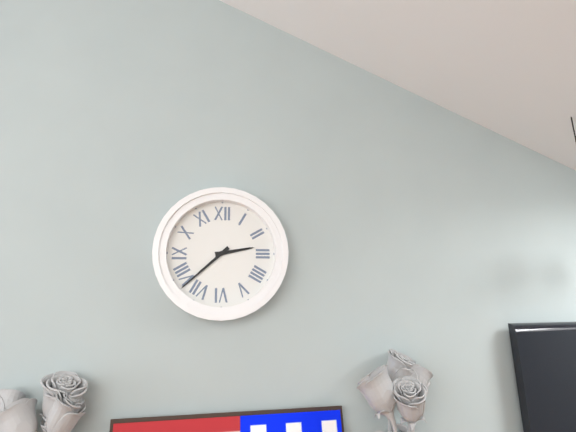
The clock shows {"hour": 2, "minute": 38}
